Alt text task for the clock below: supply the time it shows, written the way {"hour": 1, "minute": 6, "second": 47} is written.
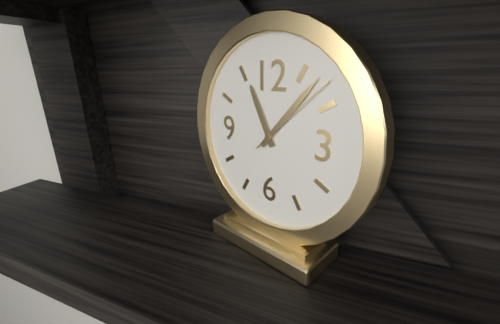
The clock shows {"hour": 11, "minute": 7, "second": 8}
